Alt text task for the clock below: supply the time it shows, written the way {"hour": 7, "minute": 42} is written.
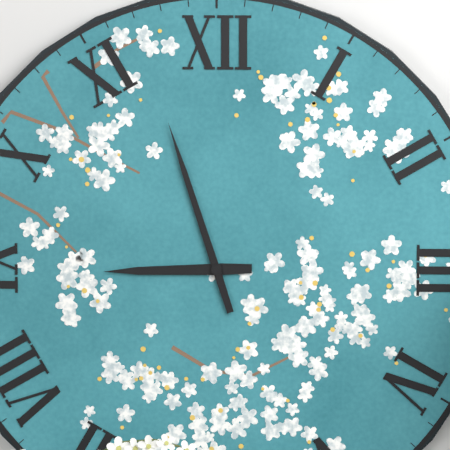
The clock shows {"hour": 8, "minute": 57}
